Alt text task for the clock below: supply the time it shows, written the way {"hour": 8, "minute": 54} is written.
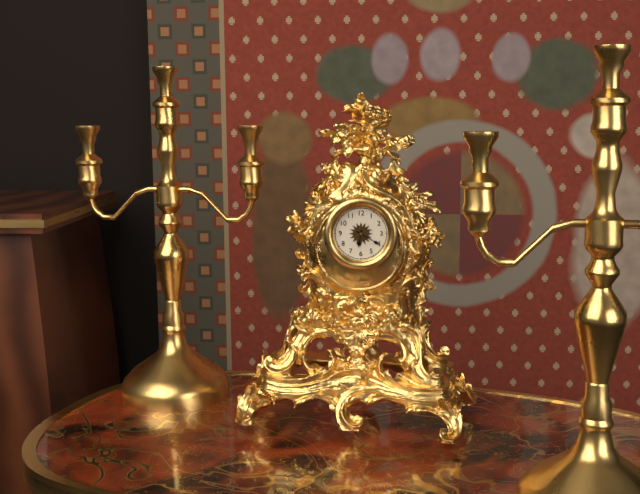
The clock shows {"hour": 6, "minute": 20}
